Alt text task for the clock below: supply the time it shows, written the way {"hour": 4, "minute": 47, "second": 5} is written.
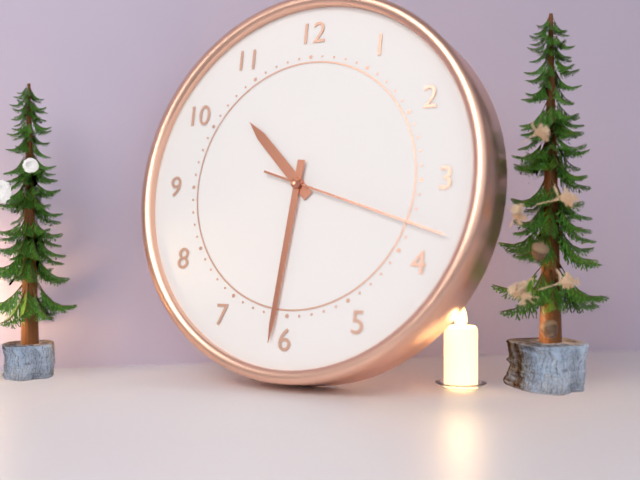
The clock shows {"hour": 10, "minute": 31, "second": 18}
